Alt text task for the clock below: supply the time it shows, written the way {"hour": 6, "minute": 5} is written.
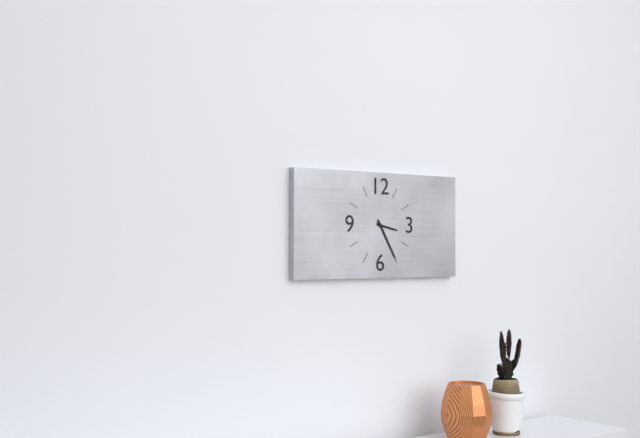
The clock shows {"hour": 3, "minute": 25}
